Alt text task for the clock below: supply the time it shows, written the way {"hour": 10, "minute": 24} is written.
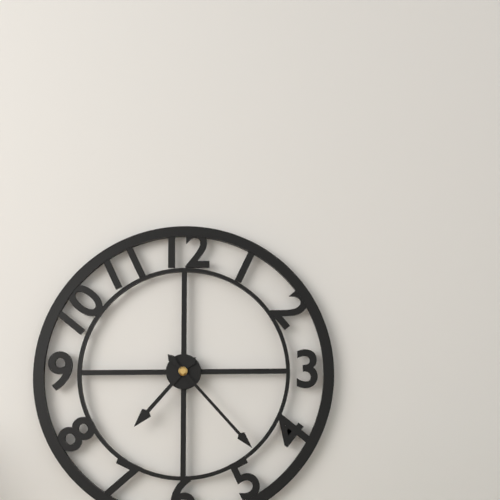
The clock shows {"hour": 7, "minute": 23}
